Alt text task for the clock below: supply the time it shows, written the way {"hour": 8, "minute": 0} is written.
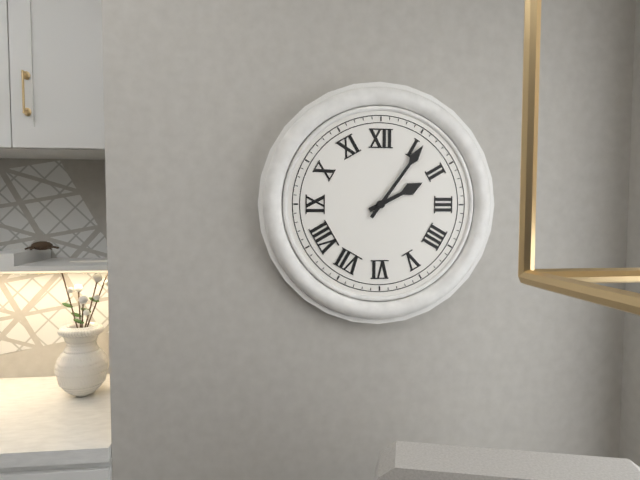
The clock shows {"hour": 2, "minute": 6}
